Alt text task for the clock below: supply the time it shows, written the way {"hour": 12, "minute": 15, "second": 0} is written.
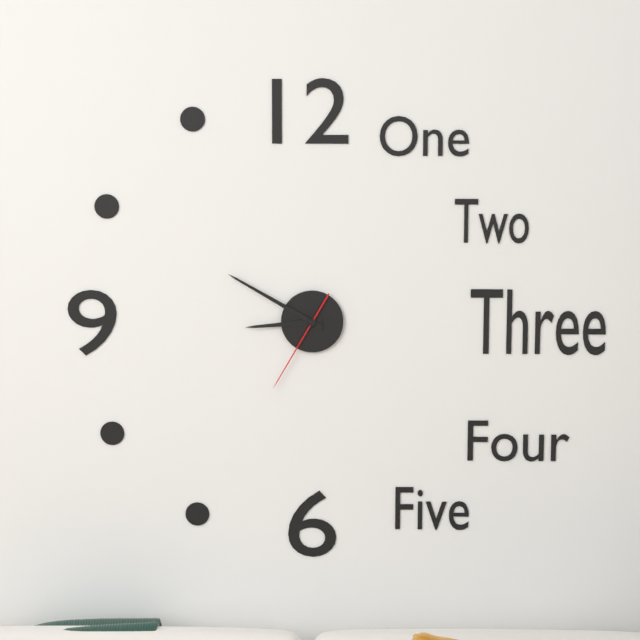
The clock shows {"hour": 8, "minute": 50, "second": 35}
